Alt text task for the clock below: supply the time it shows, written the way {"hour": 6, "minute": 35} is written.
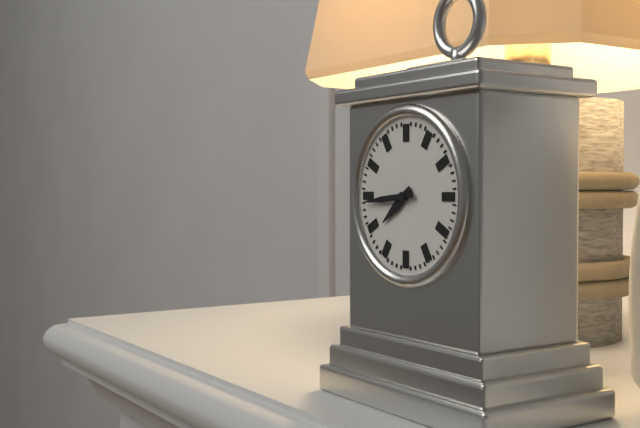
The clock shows {"hour": 7, "minute": 44}
